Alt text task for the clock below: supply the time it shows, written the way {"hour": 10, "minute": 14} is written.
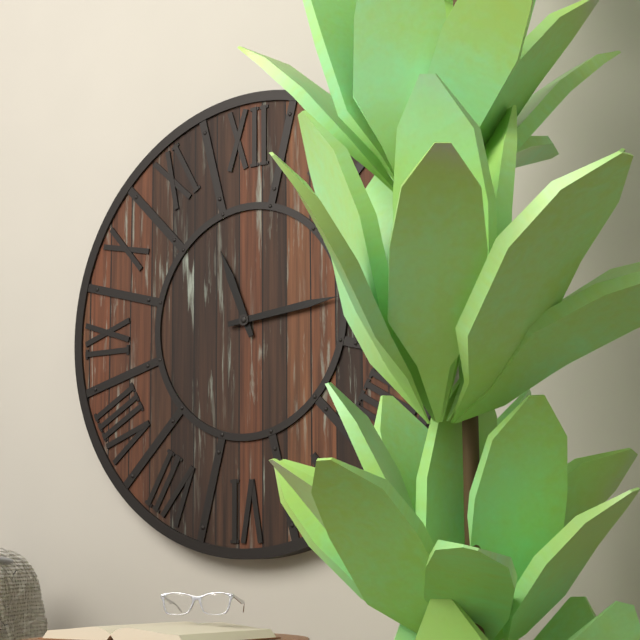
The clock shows {"hour": 11, "minute": 14}
